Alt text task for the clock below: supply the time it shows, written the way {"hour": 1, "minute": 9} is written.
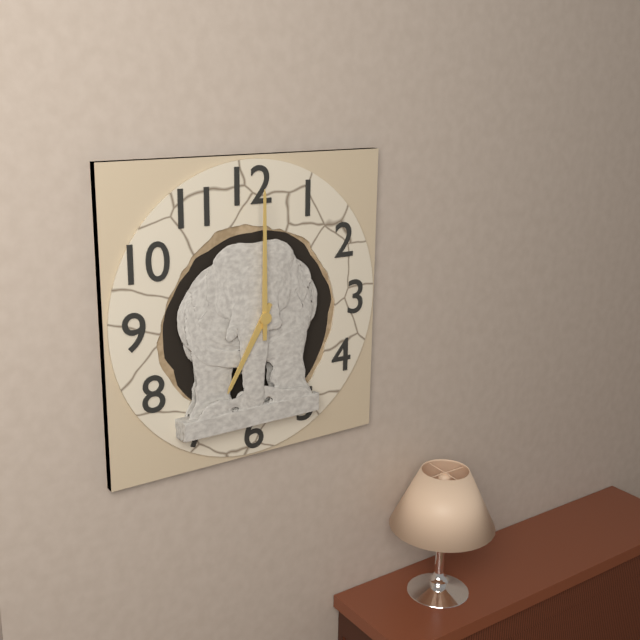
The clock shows {"hour": 7, "minute": 0}
